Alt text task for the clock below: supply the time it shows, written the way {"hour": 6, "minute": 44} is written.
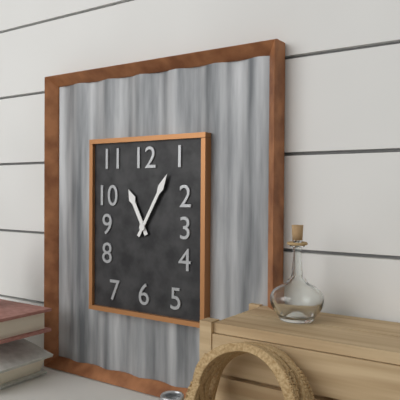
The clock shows {"hour": 11, "minute": 5}
